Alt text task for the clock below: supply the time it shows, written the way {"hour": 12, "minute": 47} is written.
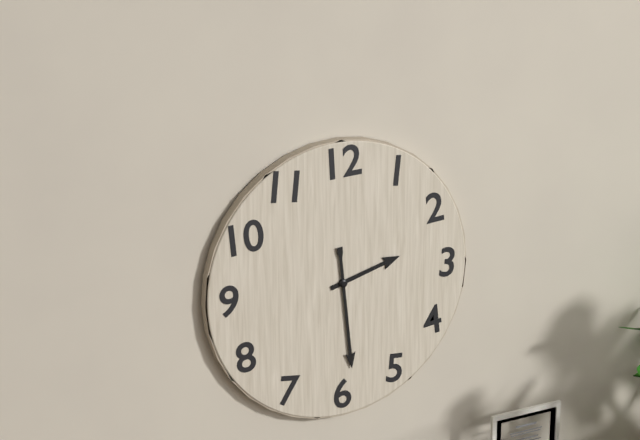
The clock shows {"hour": 2, "minute": 29}
